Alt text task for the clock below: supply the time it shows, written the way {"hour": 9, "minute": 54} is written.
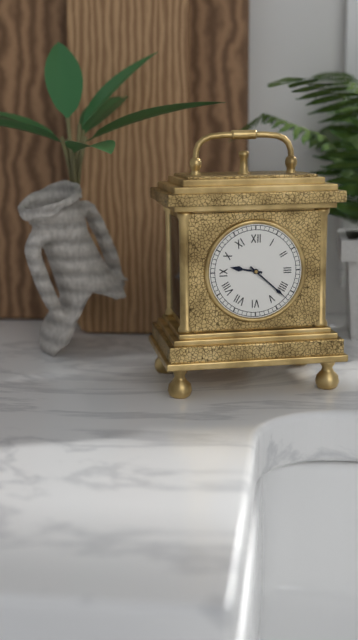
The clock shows {"hour": 9, "minute": 22}
